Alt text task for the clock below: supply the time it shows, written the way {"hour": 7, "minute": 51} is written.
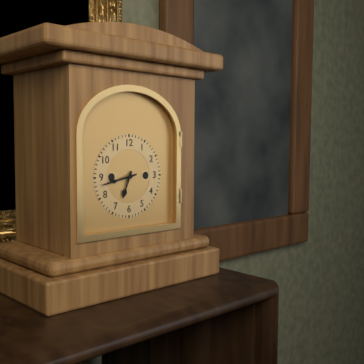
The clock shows {"hour": 6, "minute": 43}
